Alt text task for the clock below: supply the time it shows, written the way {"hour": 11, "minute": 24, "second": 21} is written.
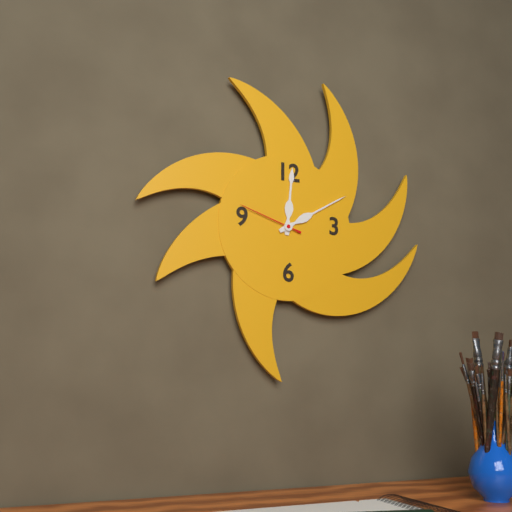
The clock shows {"hour": 12, "minute": 10, "second": 48}
